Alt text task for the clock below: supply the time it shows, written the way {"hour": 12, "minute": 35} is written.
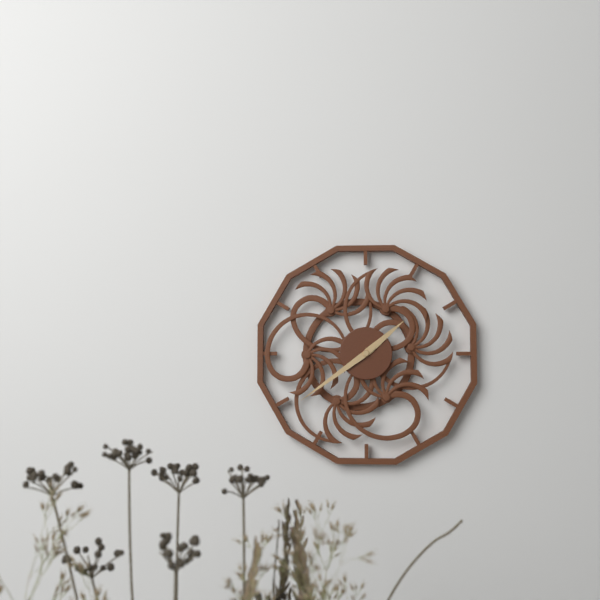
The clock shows {"hour": 1, "minute": 39}
